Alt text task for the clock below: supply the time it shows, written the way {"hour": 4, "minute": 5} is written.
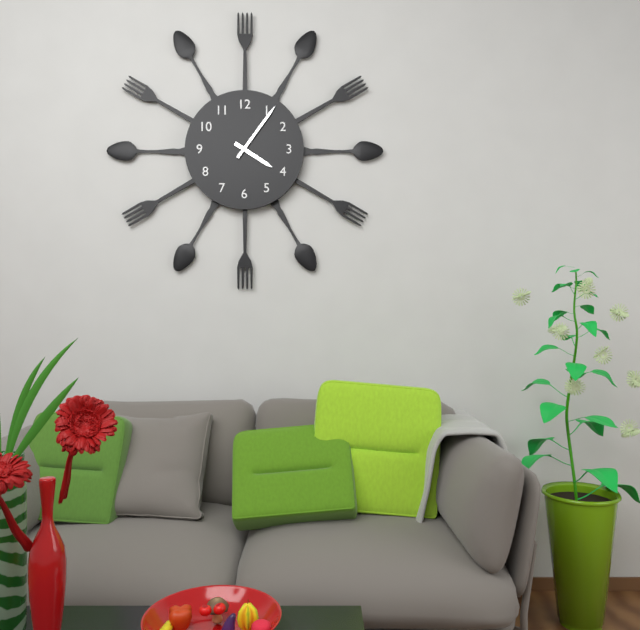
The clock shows {"hour": 4, "minute": 6}
